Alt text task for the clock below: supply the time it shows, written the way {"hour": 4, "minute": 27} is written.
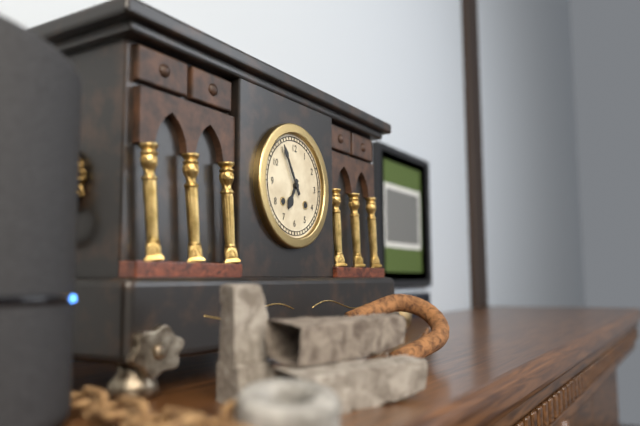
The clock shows {"hour": 6, "minute": 55}
